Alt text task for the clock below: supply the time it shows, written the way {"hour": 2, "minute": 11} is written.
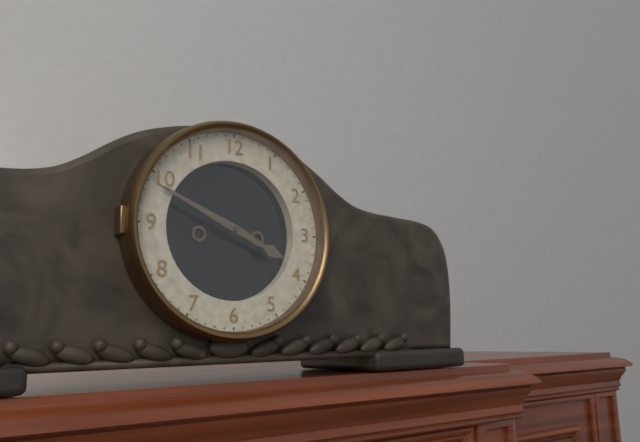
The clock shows {"hour": 3, "minute": 49}
